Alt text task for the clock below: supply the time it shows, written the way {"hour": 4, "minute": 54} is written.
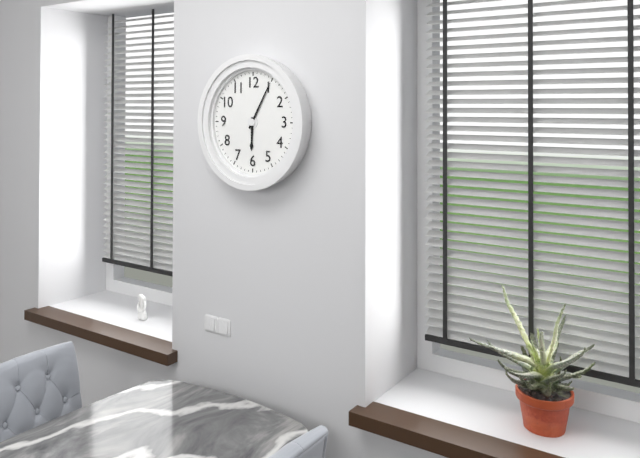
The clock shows {"hour": 6, "minute": 5}
